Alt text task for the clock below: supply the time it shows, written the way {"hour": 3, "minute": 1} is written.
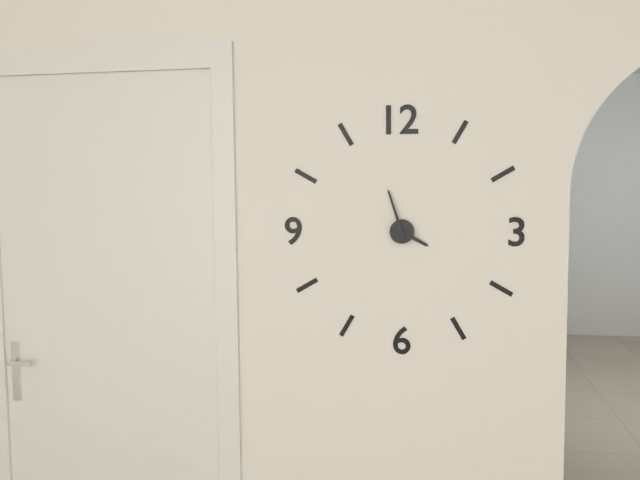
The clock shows {"hour": 3, "minute": 57}
